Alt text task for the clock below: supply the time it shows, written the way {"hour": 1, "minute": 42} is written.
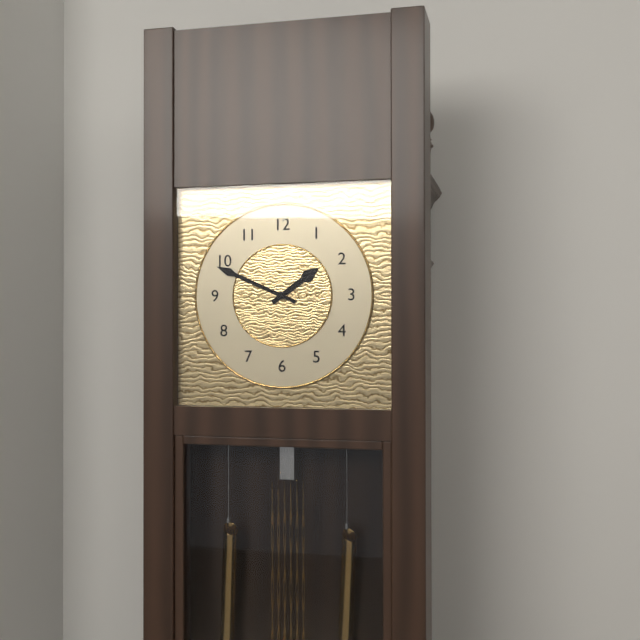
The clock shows {"hour": 1, "minute": 49}
